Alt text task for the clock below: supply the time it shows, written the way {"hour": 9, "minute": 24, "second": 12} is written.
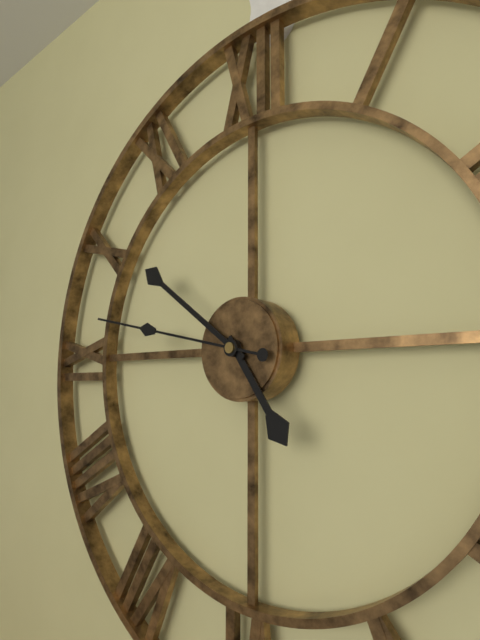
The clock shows {"hour": 4, "minute": 51, "second": 47}
